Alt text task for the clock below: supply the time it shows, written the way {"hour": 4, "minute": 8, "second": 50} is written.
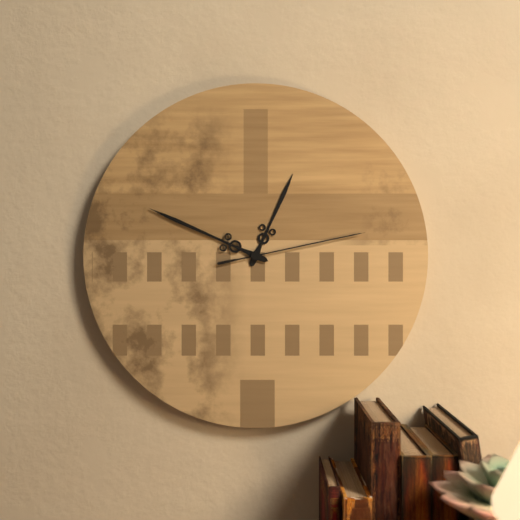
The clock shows {"hour": 12, "minute": 49, "second": 13}
